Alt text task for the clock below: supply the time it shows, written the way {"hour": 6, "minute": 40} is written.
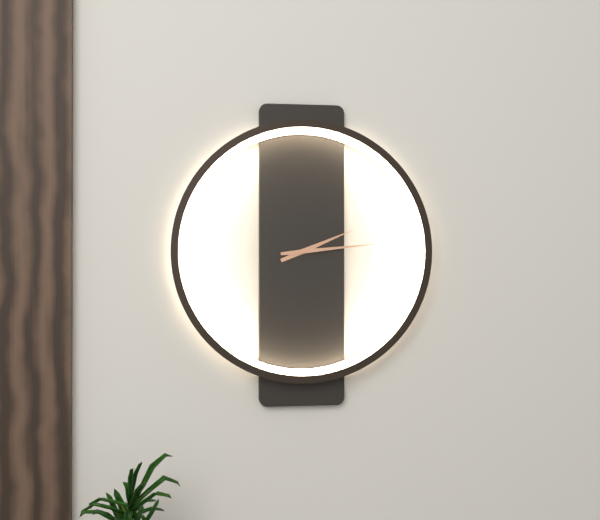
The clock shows {"hour": 2, "minute": 14}
